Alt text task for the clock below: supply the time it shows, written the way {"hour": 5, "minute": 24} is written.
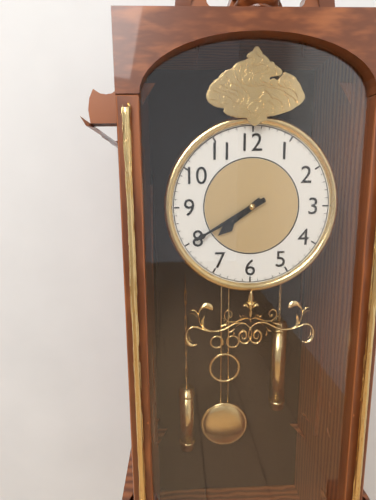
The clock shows {"hour": 7, "minute": 40}
